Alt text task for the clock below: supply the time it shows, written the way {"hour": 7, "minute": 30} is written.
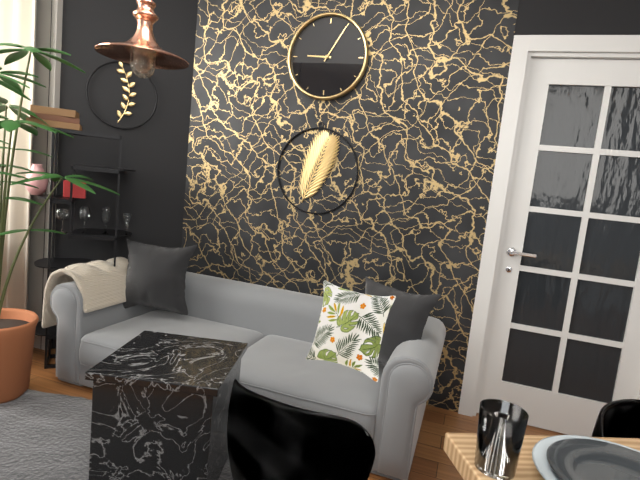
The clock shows {"hour": 9, "minute": 5}
